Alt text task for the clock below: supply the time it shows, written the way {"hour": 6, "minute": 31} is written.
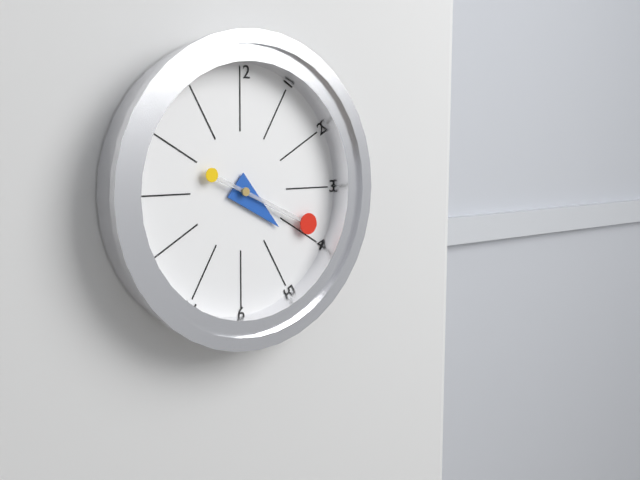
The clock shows {"hour": 4, "minute": 19}
